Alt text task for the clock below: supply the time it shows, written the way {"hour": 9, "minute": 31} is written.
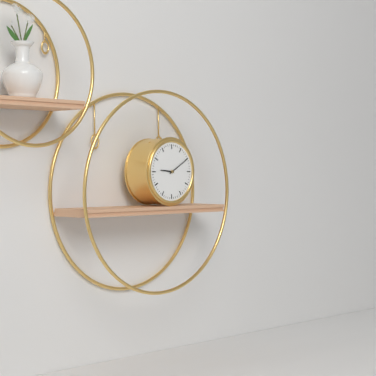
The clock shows {"hour": 9, "minute": 10}
